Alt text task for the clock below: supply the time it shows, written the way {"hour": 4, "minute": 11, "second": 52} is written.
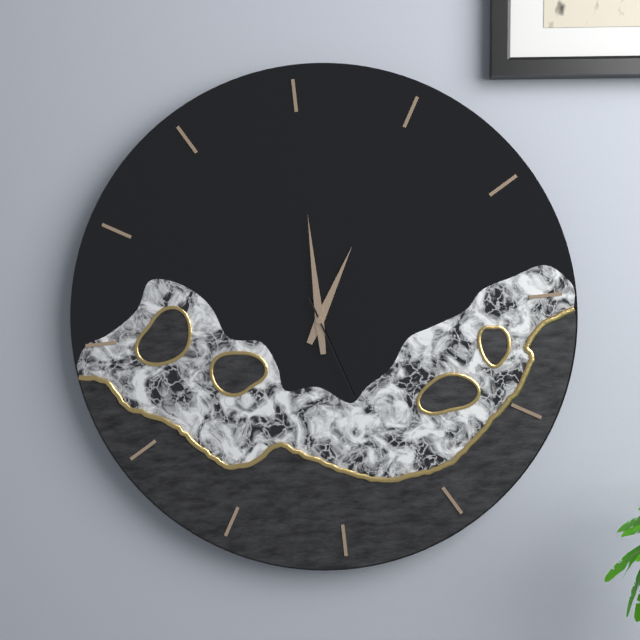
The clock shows {"hour": 1, "minute": 0, "second": 27}
